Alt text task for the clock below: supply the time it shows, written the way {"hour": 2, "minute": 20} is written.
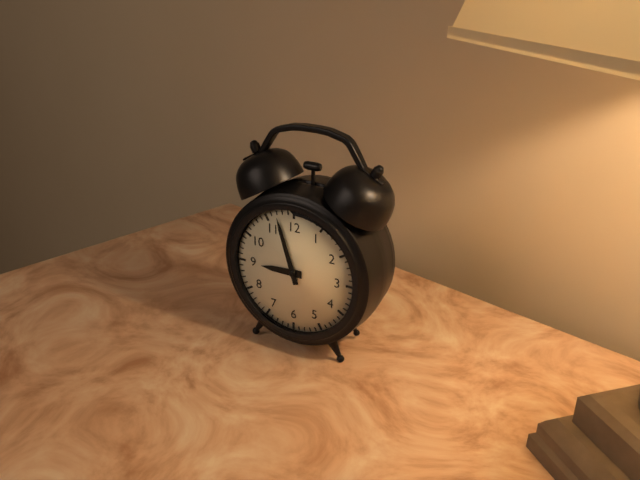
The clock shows {"hour": 8, "minute": 57}
